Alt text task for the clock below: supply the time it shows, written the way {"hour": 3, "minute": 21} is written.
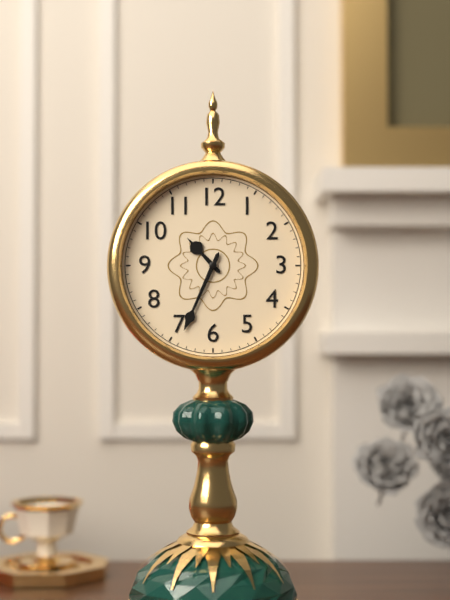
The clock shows {"hour": 10, "minute": 34}
